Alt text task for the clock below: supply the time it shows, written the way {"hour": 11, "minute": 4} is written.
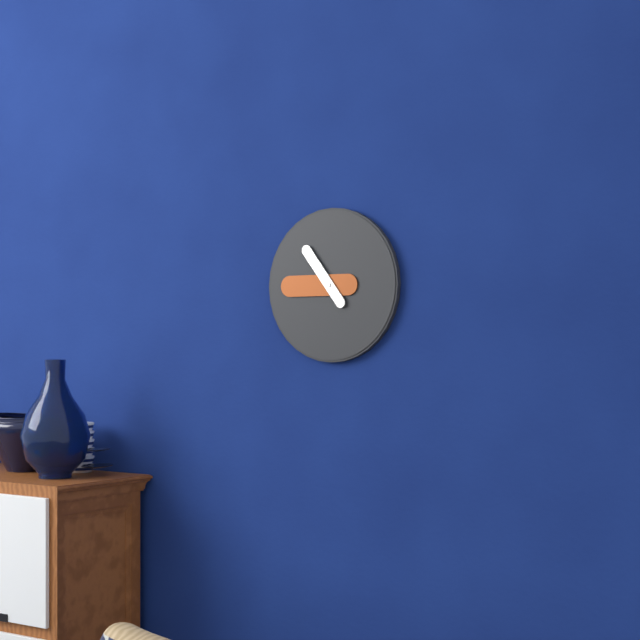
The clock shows {"hour": 10, "minute": 45}
